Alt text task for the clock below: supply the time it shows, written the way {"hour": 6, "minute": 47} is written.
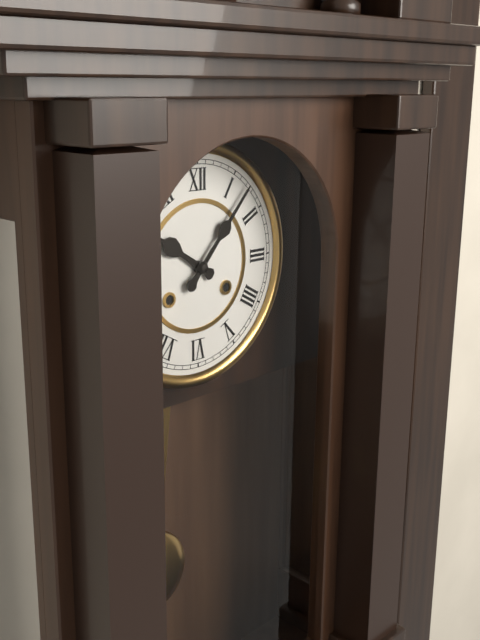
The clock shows {"hour": 10, "minute": 7}
